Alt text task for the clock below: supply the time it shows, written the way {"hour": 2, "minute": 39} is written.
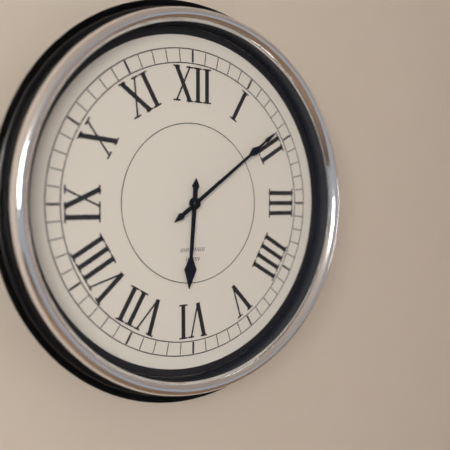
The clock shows {"hour": 6, "minute": 9}
